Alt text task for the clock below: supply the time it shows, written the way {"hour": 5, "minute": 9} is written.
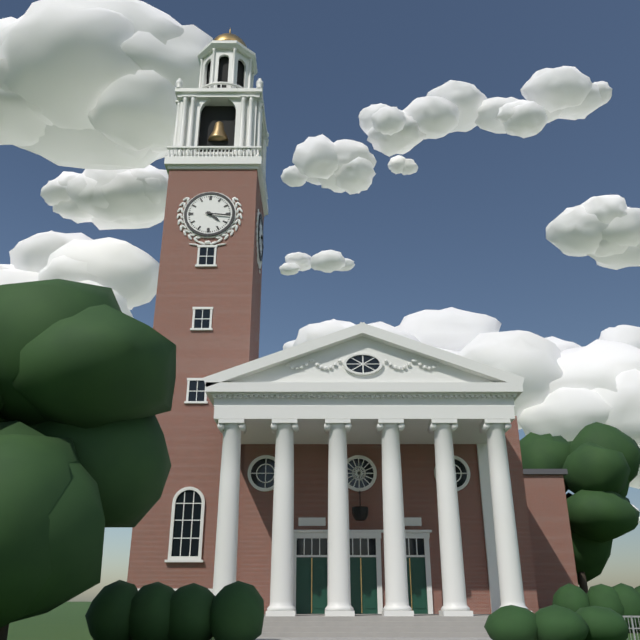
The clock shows {"hour": 4, "minute": 16}
